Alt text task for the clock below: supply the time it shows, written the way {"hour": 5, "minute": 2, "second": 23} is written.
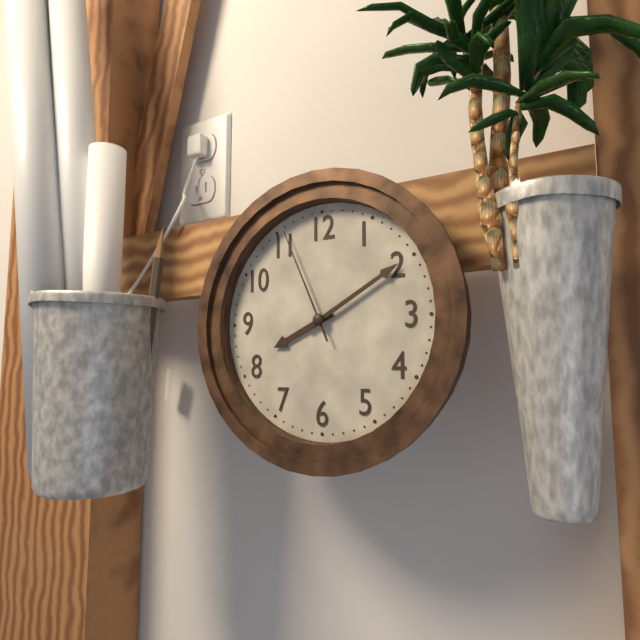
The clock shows {"hour": 8, "minute": 10, "second": 56}
